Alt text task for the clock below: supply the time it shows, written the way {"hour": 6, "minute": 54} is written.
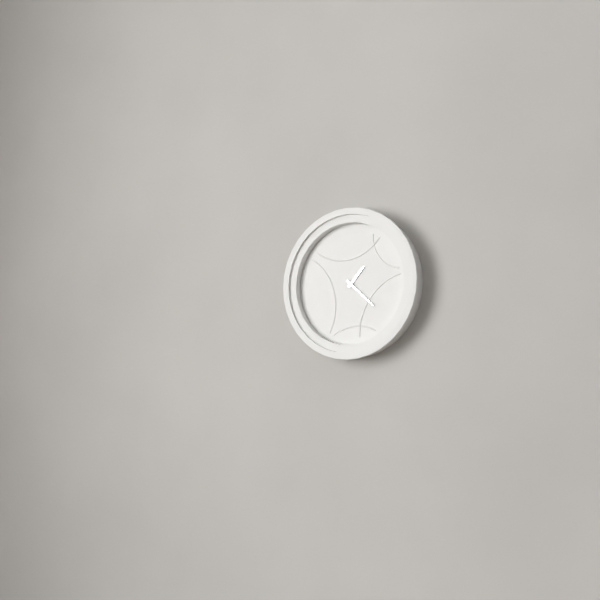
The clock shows {"hour": 1, "minute": 22}
